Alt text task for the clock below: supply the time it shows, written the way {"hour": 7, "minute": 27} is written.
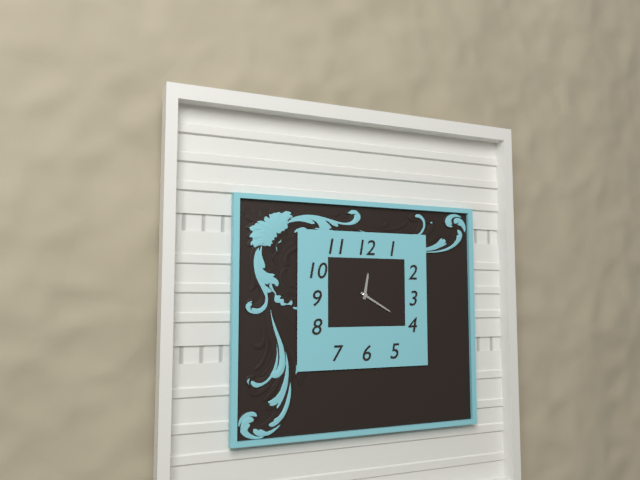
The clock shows {"hour": 12, "minute": 20}
